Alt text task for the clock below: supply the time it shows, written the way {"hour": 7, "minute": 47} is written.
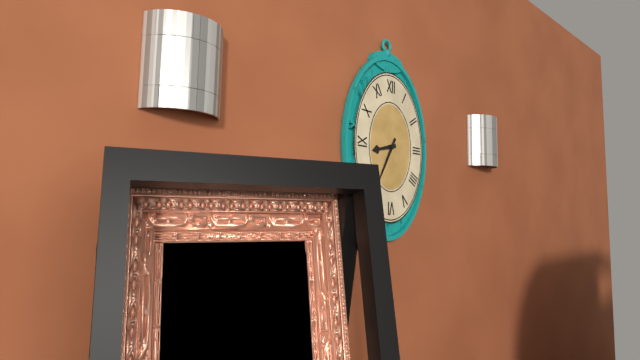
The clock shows {"hour": 8, "minute": 35}
